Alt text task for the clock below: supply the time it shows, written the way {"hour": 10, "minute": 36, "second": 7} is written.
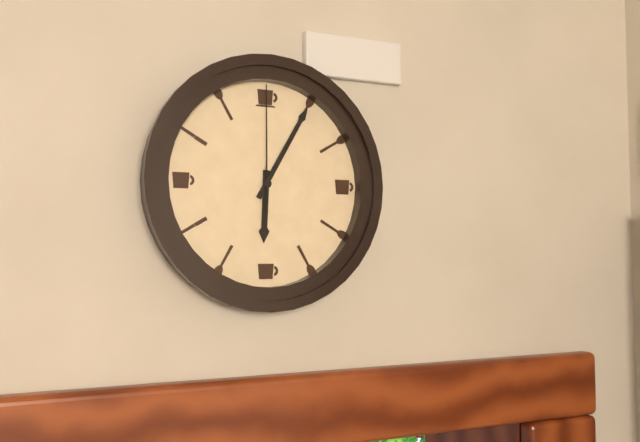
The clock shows {"hour": 6, "minute": 5, "second": 0}
